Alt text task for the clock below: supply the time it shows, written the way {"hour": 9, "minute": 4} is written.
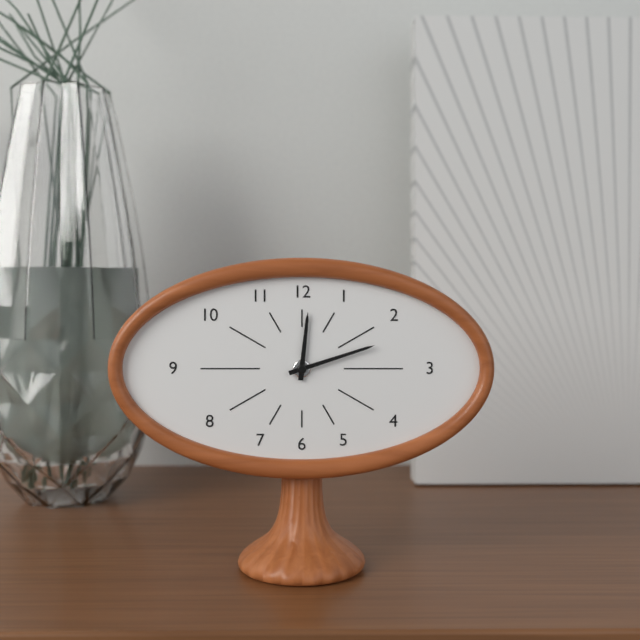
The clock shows {"hour": 12, "minute": 12}
